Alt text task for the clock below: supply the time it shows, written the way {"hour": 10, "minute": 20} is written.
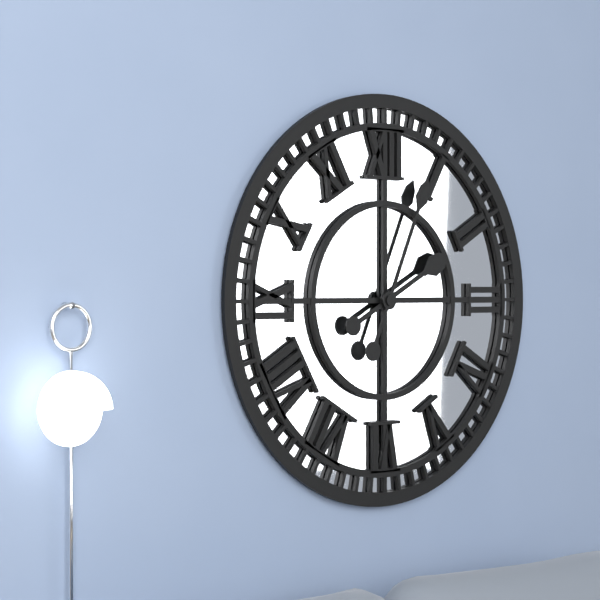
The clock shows {"hour": 2, "minute": 4}
